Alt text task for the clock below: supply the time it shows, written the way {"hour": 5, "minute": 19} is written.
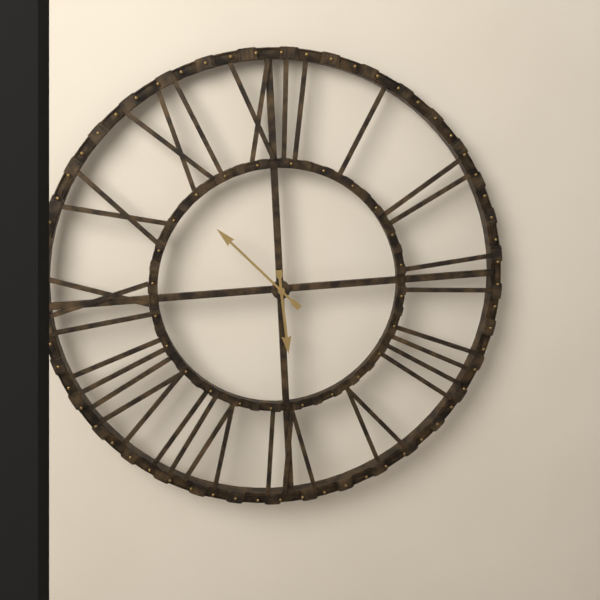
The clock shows {"hour": 5, "minute": 53}
